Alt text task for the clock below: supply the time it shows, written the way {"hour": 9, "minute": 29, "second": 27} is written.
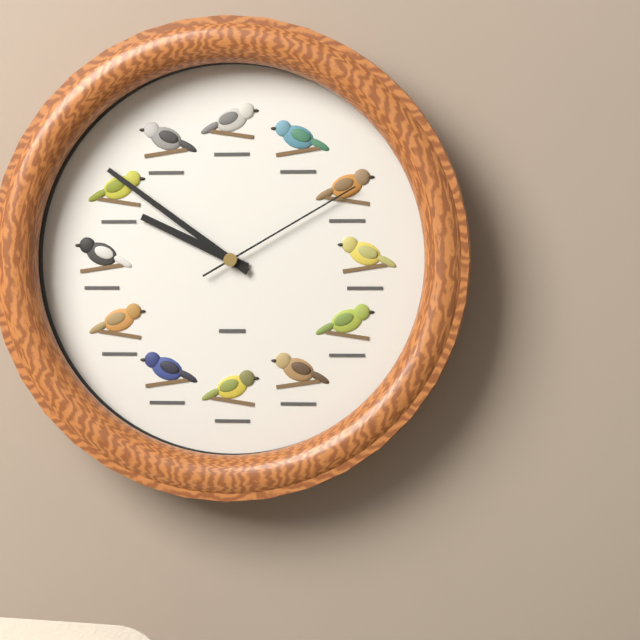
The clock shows {"hour": 9, "minute": 51, "second": 10}
